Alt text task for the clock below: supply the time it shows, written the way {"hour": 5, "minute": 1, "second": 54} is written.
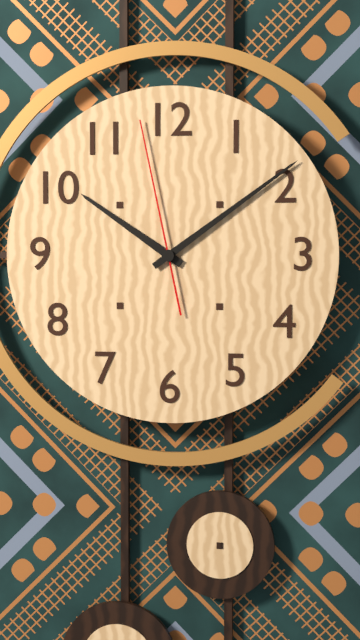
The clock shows {"hour": 10, "minute": 9, "second": 58}
